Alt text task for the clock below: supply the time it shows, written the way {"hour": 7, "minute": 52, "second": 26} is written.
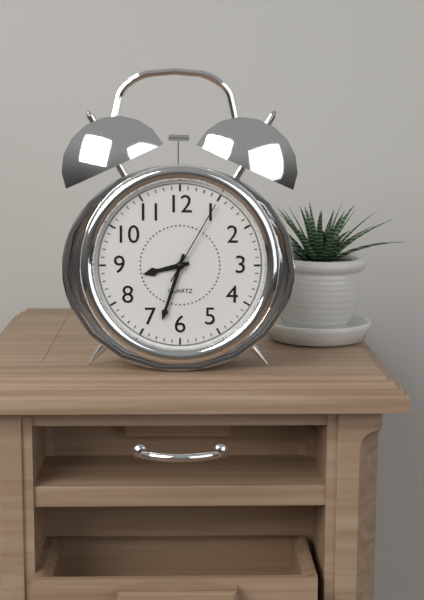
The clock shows {"hour": 8, "minute": 33, "second": 5}
